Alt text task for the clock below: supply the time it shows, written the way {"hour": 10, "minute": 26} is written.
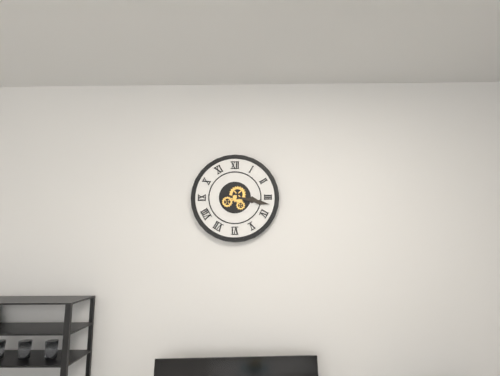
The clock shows {"hour": 3, "minute": 17}
